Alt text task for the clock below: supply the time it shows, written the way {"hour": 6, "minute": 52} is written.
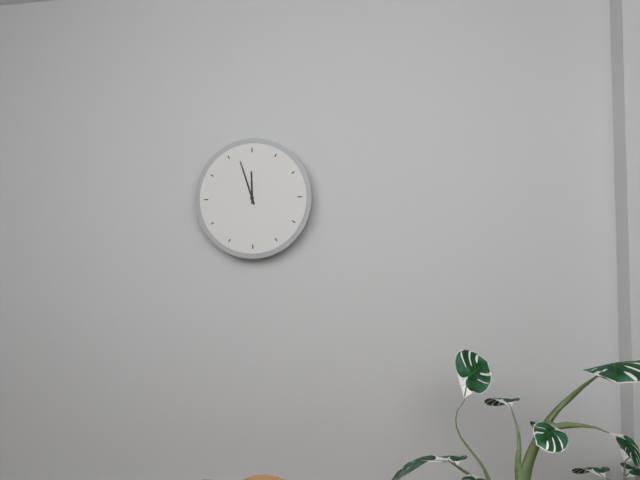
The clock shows {"hour": 11, "minute": 57}
